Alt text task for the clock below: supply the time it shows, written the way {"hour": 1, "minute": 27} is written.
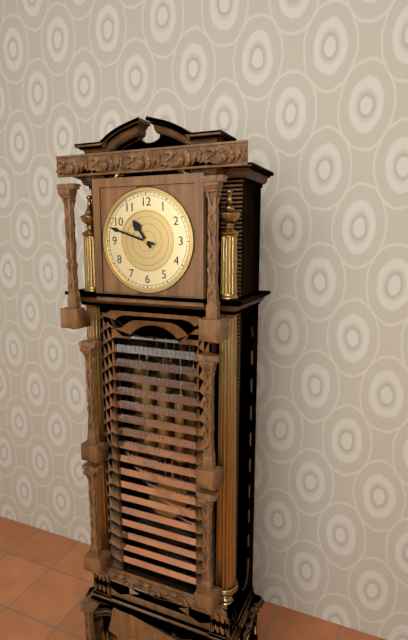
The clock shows {"hour": 10, "minute": 48}
